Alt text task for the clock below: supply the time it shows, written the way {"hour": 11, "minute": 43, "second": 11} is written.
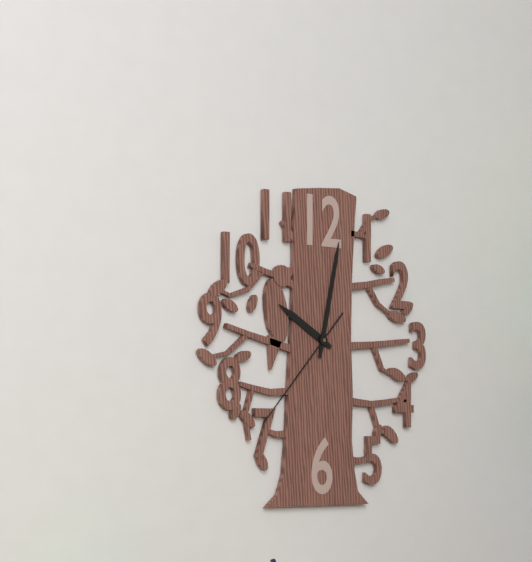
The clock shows {"hour": 10, "minute": 2, "second": 37}
